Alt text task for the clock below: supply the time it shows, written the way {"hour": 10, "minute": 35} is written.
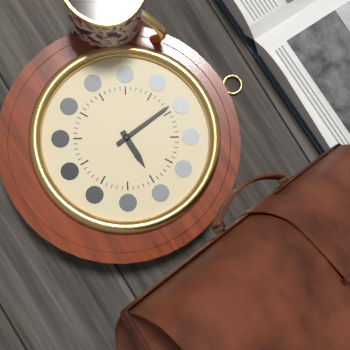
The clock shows {"hour": 2, "minute": 59}
